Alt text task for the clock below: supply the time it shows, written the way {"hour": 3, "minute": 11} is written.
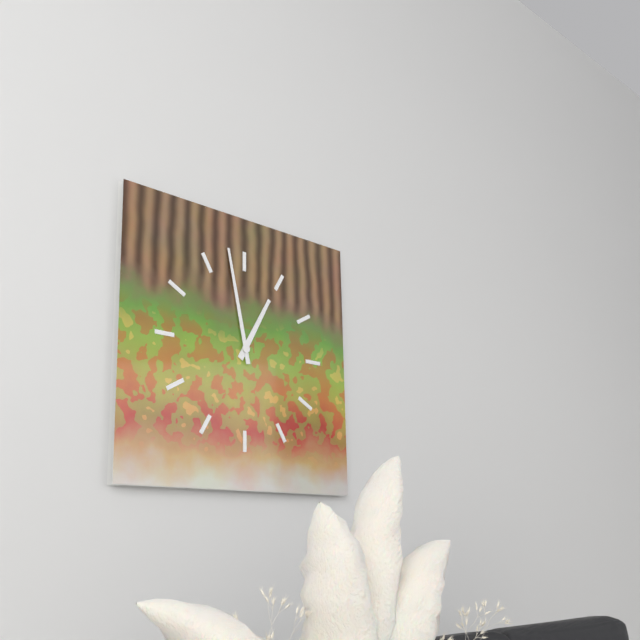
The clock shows {"hour": 12, "minute": 58}
